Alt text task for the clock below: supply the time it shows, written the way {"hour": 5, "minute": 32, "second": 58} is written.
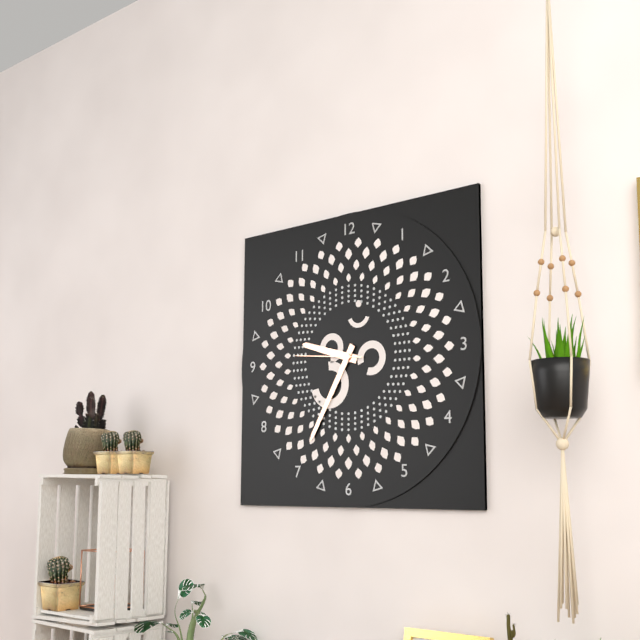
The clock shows {"hour": 9, "minute": 35, "second": 46}
